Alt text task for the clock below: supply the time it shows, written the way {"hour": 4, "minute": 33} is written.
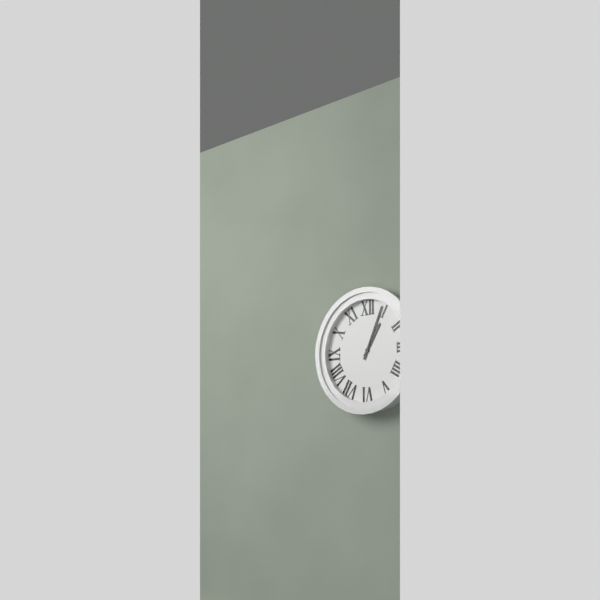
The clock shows {"hour": 1, "minute": 4}
